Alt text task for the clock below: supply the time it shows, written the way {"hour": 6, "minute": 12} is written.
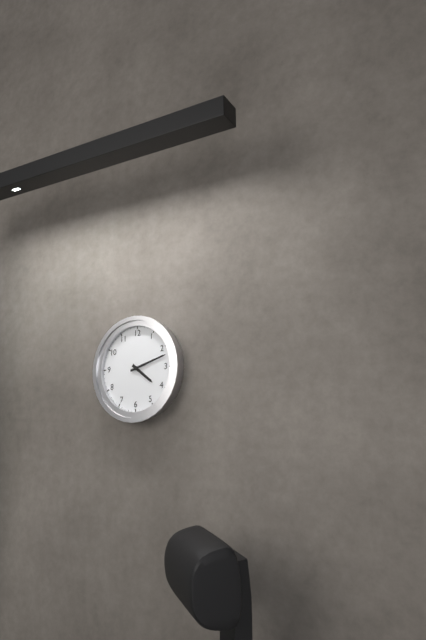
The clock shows {"hour": 4, "minute": 12}
